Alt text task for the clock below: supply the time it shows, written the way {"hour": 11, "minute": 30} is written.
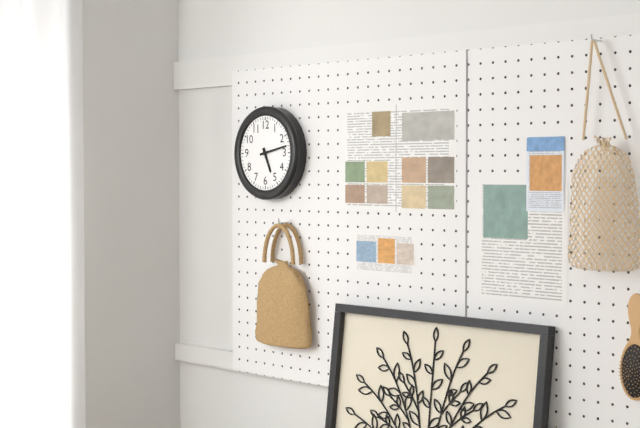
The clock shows {"hour": 5, "minute": 13}
